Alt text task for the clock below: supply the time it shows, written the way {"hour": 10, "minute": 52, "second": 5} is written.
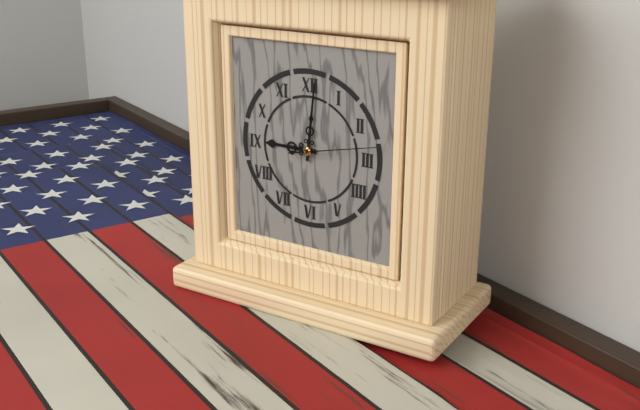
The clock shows {"hour": 9, "minute": 1, "second": 13}
